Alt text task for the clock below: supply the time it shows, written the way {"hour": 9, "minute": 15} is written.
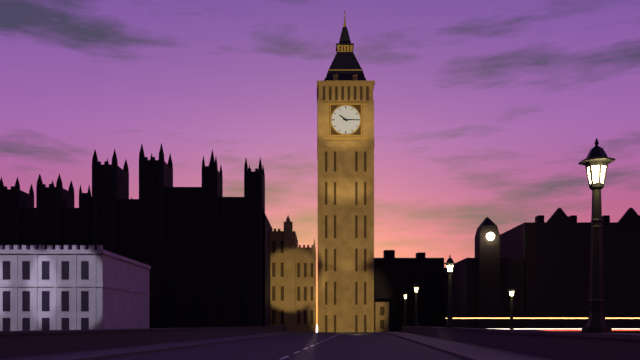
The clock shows {"hour": 10, "minute": 15}
